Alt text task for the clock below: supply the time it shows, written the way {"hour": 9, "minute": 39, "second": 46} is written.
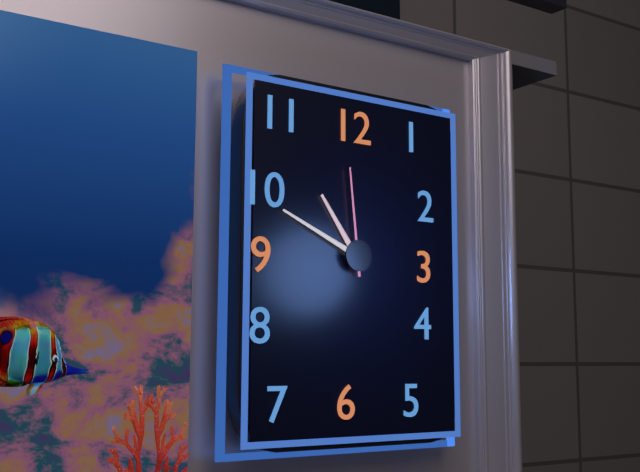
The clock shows {"hour": 10, "minute": 49, "second": 59}
